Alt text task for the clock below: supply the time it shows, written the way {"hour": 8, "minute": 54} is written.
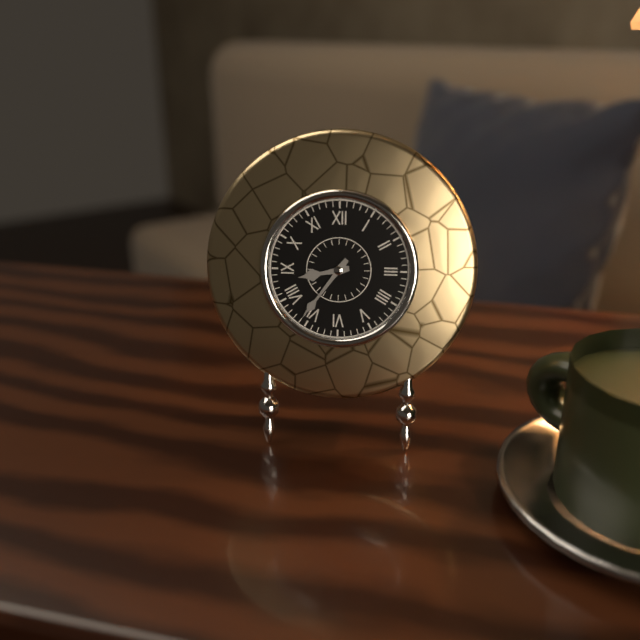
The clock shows {"hour": 8, "minute": 36}
